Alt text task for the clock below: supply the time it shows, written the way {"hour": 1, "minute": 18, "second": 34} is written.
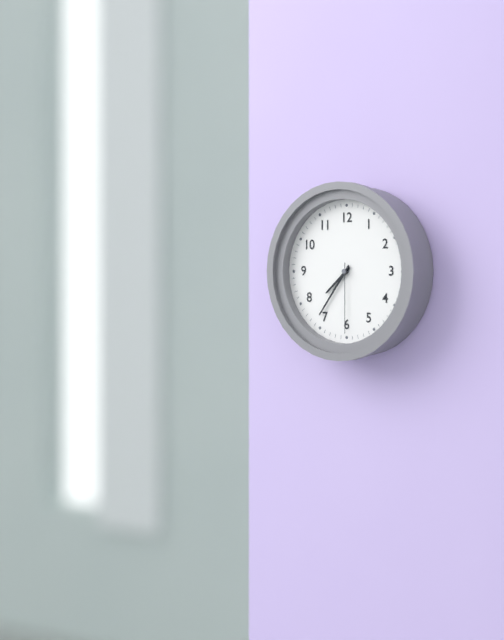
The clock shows {"hour": 7, "minute": 36, "second": 30}
